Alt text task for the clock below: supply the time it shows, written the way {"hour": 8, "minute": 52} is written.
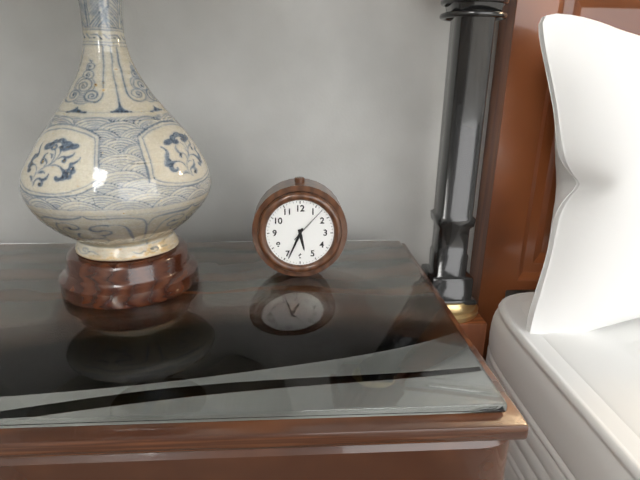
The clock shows {"hour": 5, "minute": 34}
